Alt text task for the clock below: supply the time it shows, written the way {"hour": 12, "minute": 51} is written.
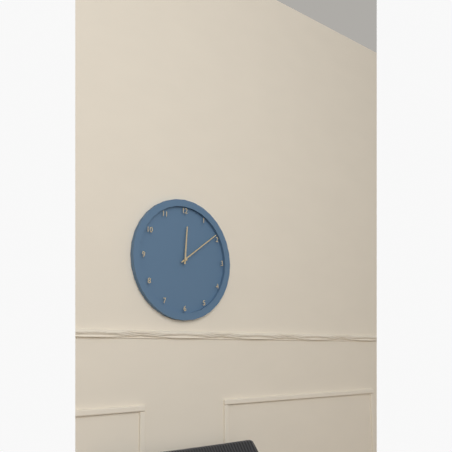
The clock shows {"hour": 12, "minute": 9}
